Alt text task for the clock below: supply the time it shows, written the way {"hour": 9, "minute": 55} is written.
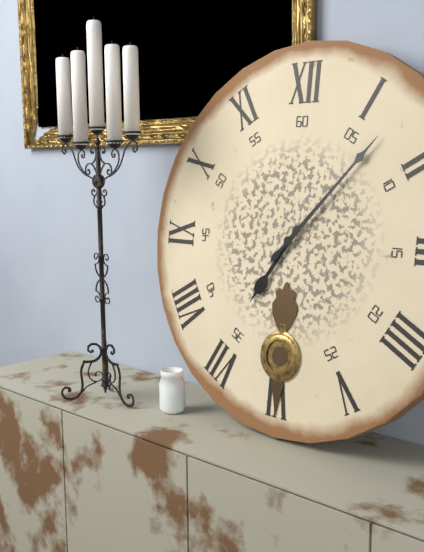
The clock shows {"hour": 7, "minute": 7}
